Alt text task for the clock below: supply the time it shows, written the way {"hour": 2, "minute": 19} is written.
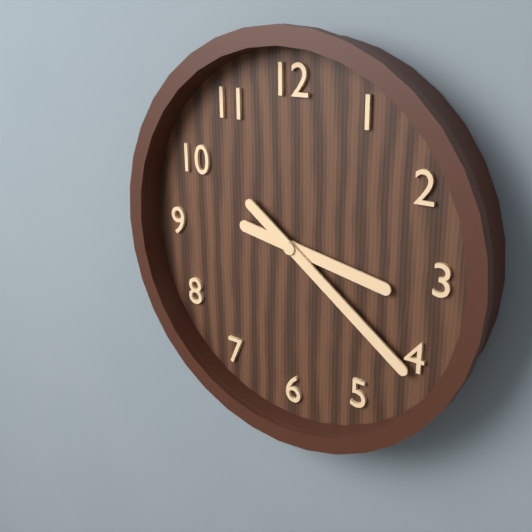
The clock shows {"hour": 3, "minute": 21}
